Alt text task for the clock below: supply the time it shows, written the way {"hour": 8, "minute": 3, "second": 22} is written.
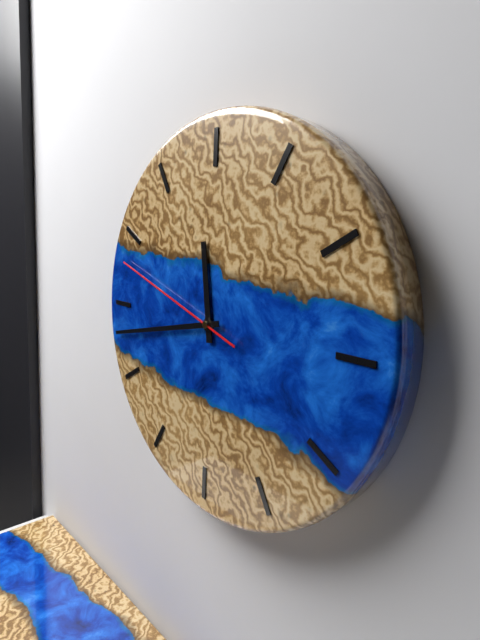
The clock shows {"hour": 11, "minute": 43, "second": 48}
